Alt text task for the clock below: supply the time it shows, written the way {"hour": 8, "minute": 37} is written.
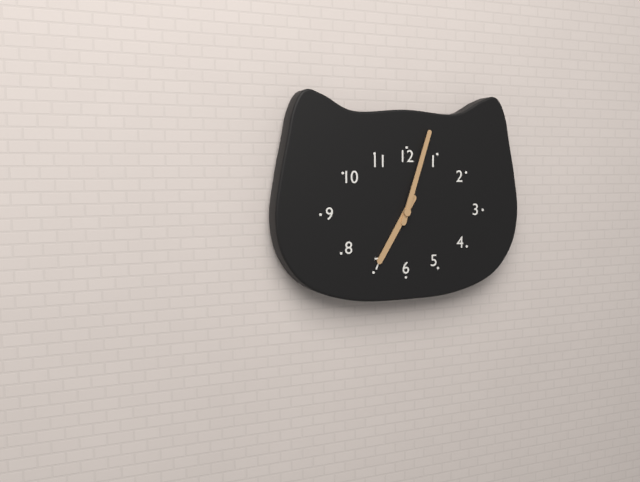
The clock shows {"hour": 7, "minute": 3}
